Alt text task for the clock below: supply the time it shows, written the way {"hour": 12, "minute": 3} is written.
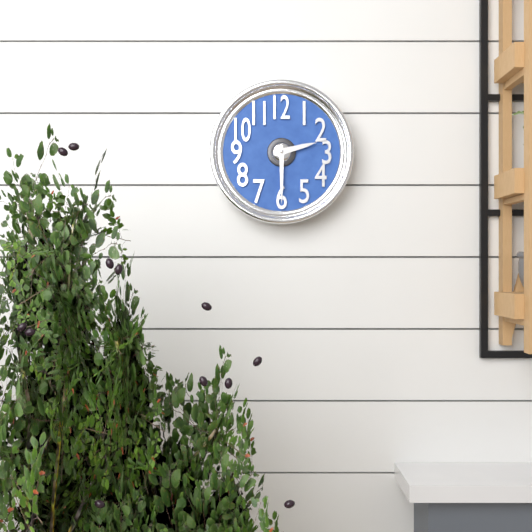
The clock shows {"hour": 2, "minute": 30}
